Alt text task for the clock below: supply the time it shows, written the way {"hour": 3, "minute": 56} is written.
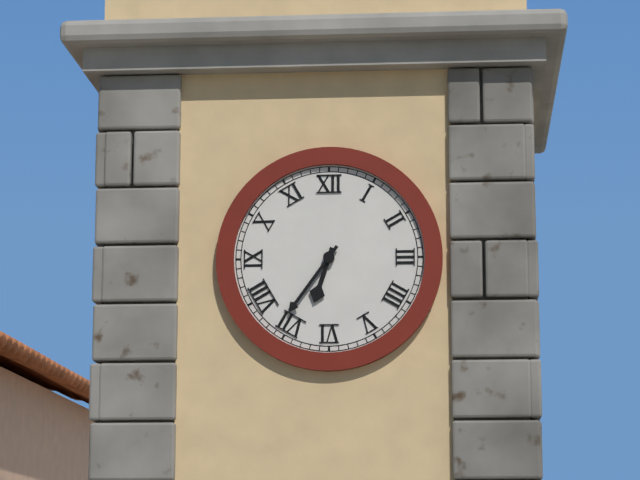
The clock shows {"hour": 6, "minute": 36}
